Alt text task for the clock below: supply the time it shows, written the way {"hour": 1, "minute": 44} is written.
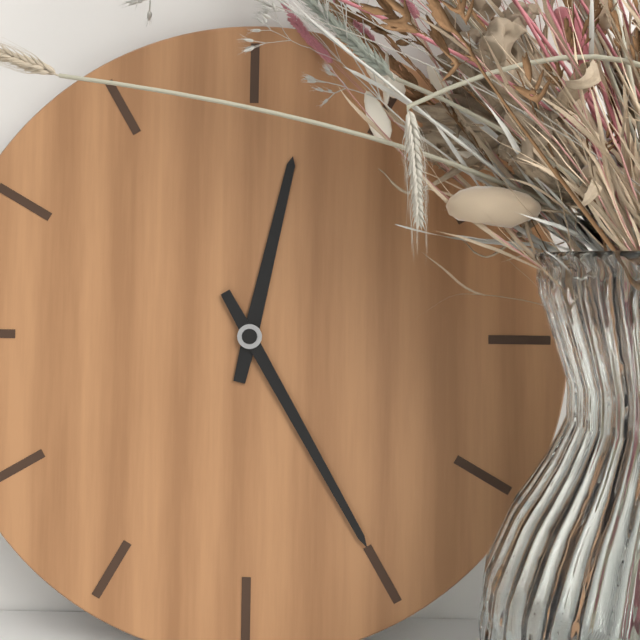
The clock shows {"hour": 12, "minute": 25}
